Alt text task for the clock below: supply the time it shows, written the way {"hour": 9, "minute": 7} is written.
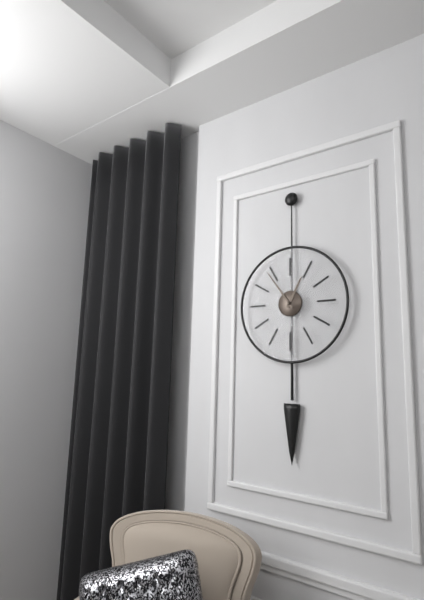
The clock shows {"hour": 12, "minute": 54}
